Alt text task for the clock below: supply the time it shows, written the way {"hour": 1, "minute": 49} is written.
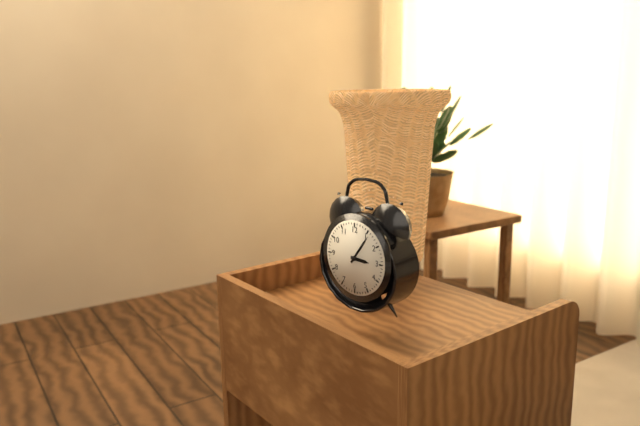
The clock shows {"hour": 3, "minute": 6}
